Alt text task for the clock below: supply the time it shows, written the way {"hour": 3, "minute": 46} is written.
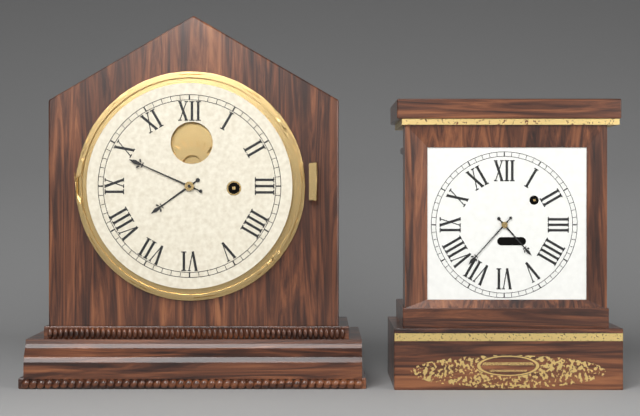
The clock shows {"hour": 7, "minute": 49}
